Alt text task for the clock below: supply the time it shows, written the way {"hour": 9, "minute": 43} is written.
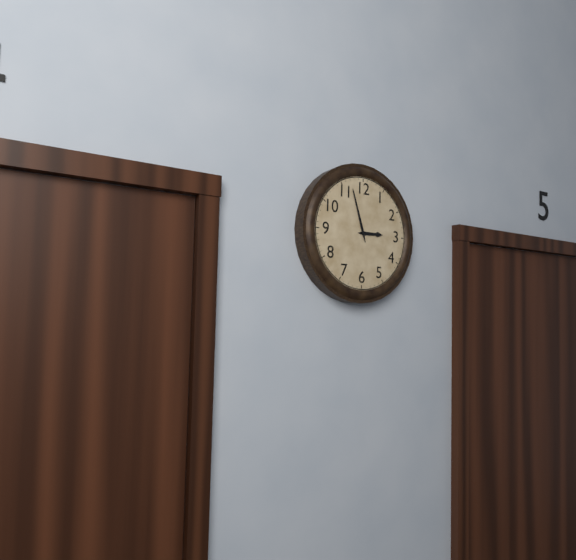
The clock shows {"hour": 2, "minute": 57}
